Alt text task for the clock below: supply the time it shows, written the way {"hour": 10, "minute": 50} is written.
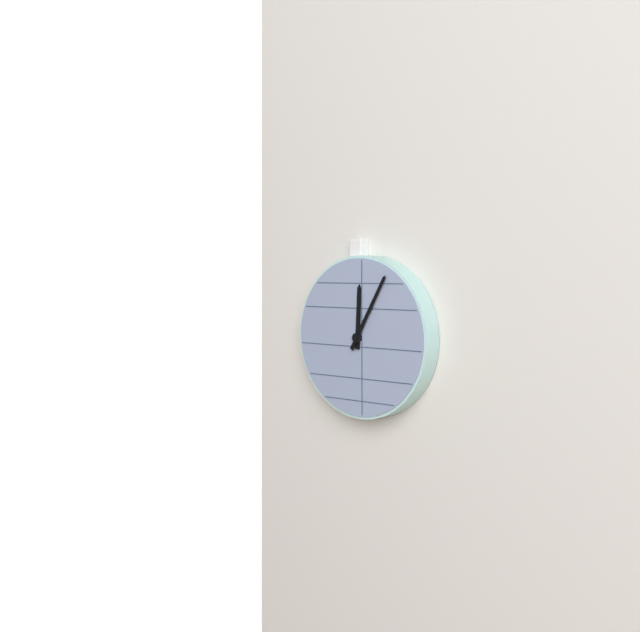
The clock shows {"hour": 12, "minute": 5}
